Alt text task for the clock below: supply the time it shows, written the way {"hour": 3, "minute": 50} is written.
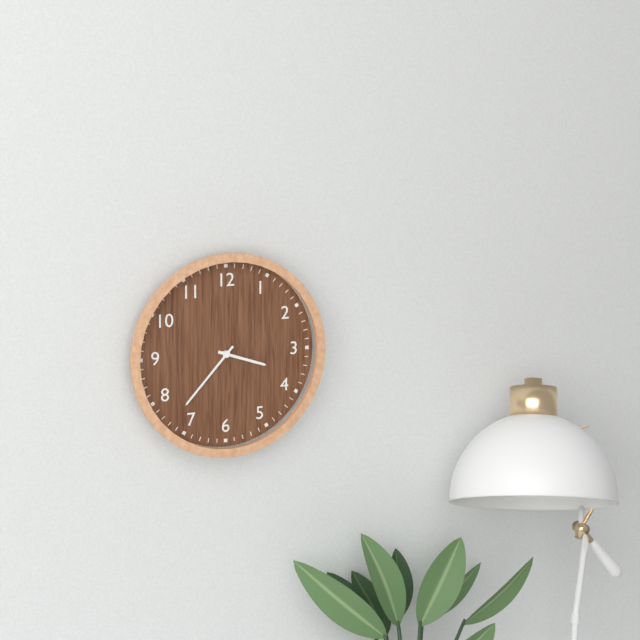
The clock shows {"hour": 3, "minute": 37}
